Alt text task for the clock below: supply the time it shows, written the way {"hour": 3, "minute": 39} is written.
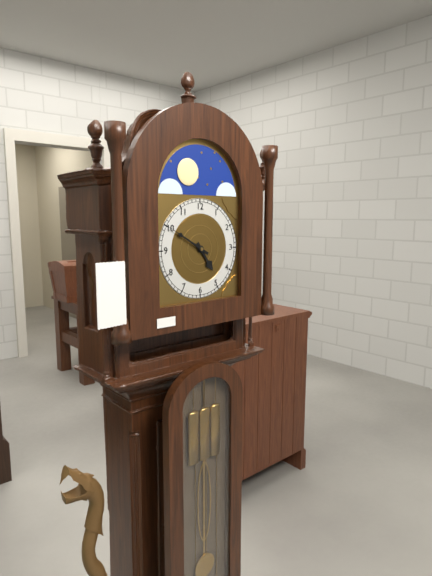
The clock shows {"hour": 4, "minute": 50}
